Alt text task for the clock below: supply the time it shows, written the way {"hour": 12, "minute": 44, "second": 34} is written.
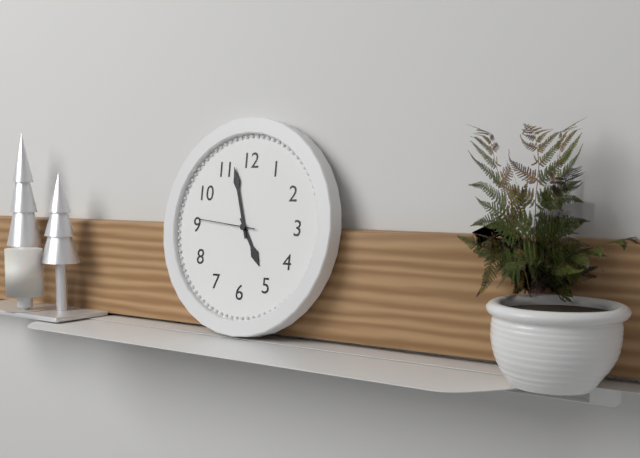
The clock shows {"hour": 4, "minute": 57, "second": 46}
